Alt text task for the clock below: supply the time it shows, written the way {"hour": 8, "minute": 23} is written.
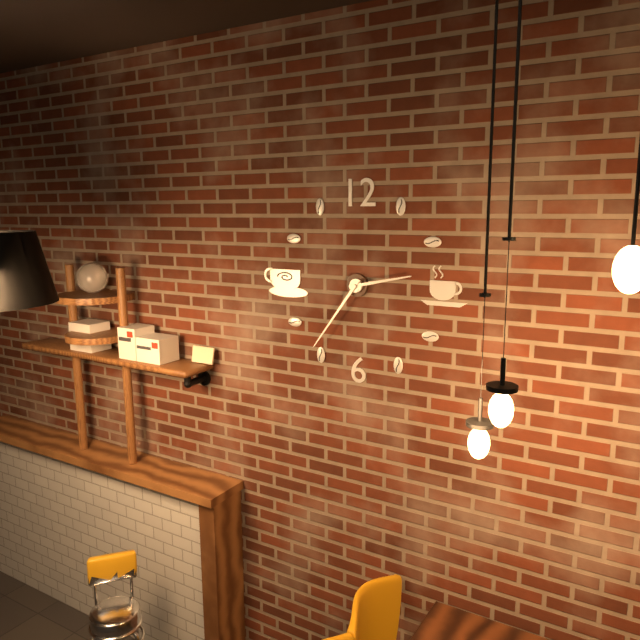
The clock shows {"hour": 2, "minute": 36}
